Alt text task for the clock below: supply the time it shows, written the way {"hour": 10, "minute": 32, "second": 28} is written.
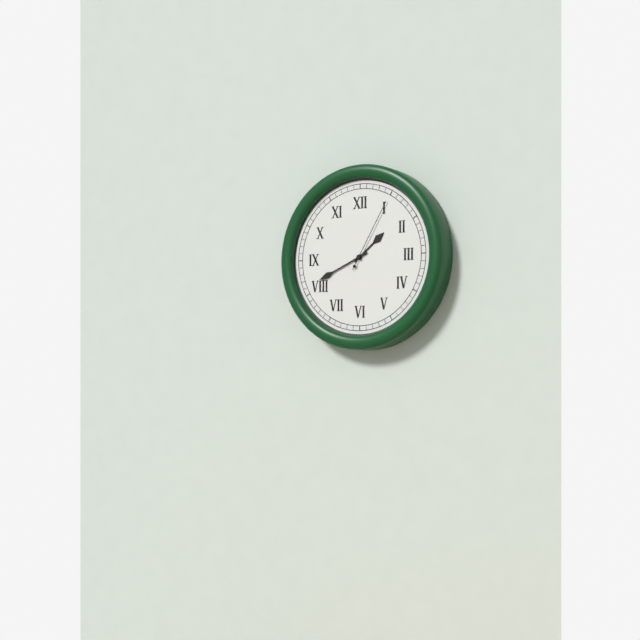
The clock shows {"hour": 1, "minute": 41, "second": 5}
